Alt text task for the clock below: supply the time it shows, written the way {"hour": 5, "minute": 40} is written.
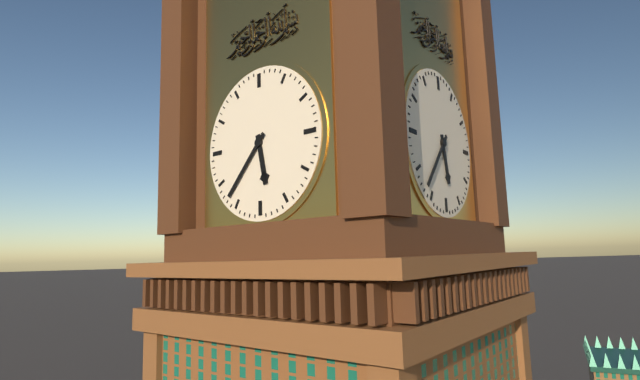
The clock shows {"hour": 5, "minute": 37}
